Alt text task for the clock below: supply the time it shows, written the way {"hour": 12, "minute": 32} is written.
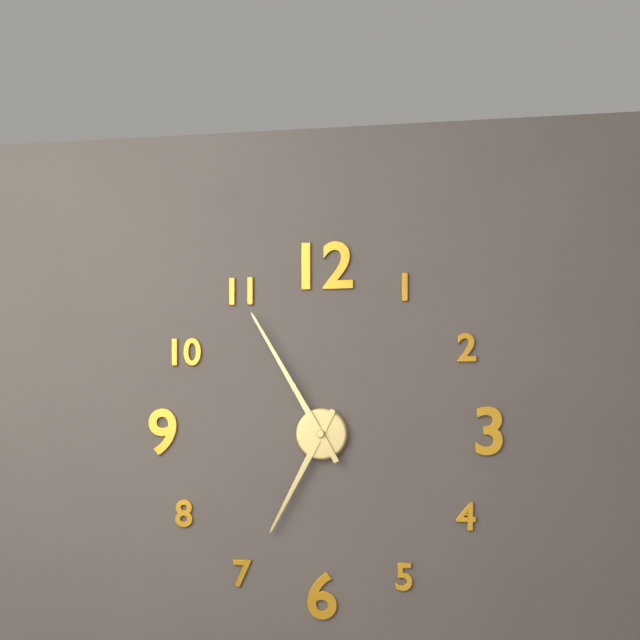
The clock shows {"hour": 6, "minute": 55}
